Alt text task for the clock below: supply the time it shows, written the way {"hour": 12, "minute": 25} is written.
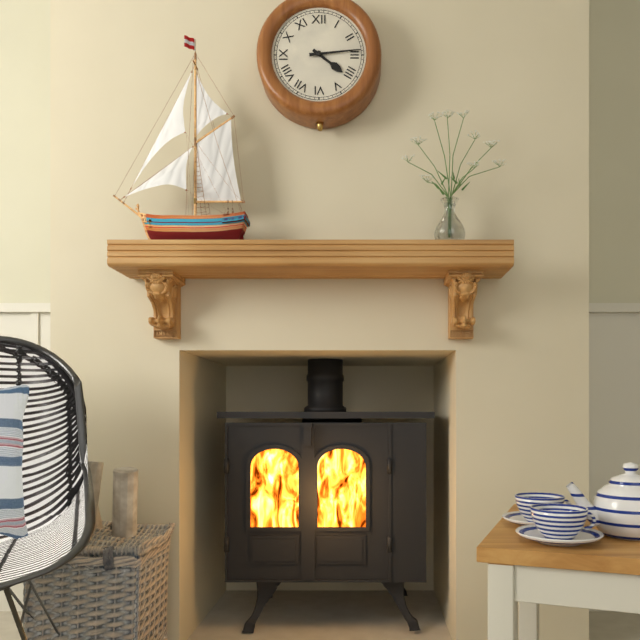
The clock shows {"hour": 4, "minute": 14}
